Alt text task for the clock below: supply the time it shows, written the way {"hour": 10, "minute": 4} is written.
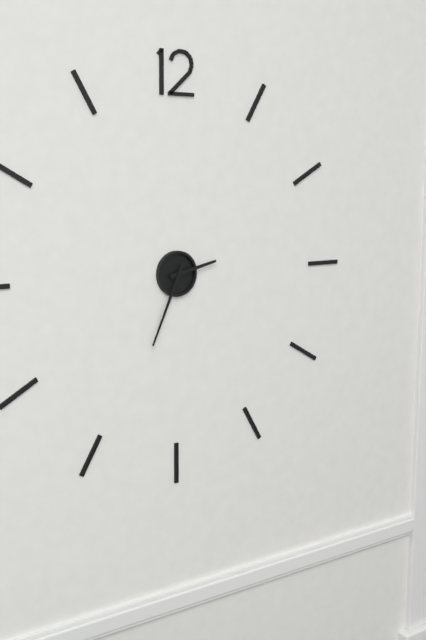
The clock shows {"hour": 2, "minute": 34}
